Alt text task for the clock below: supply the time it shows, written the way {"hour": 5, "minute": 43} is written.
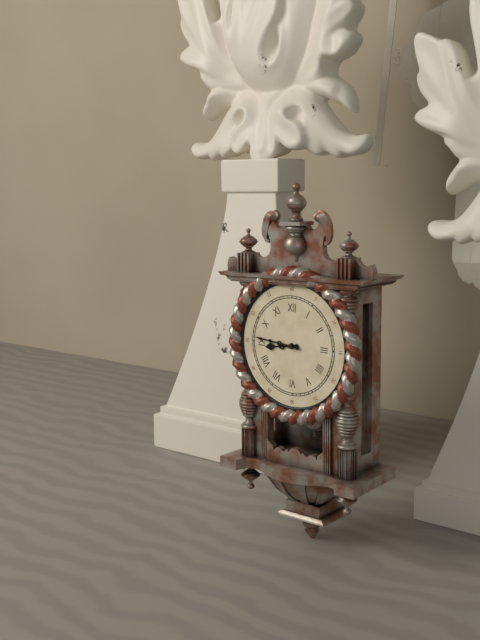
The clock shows {"hour": 8, "minute": 46}
